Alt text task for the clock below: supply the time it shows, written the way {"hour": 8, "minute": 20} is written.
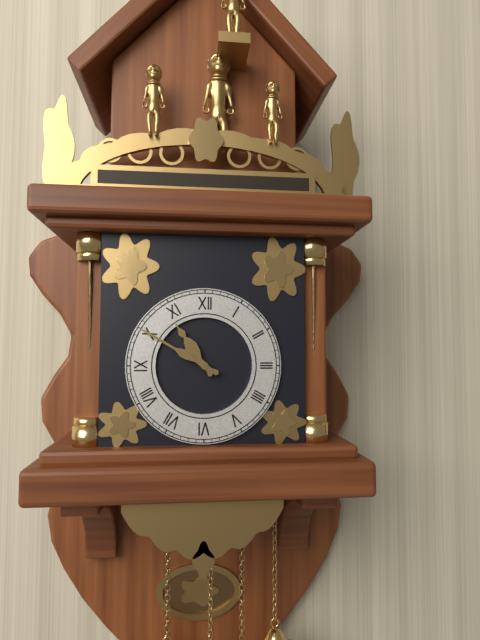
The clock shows {"hour": 10, "minute": 50}
